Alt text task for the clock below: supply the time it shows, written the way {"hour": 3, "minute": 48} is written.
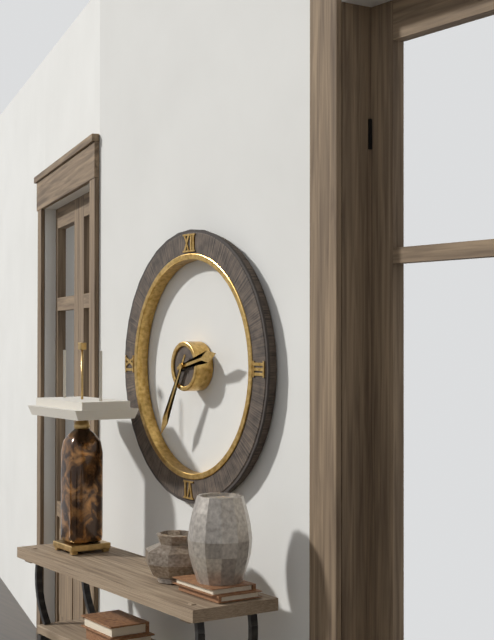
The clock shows {"hour": 2, "minute": 35}
